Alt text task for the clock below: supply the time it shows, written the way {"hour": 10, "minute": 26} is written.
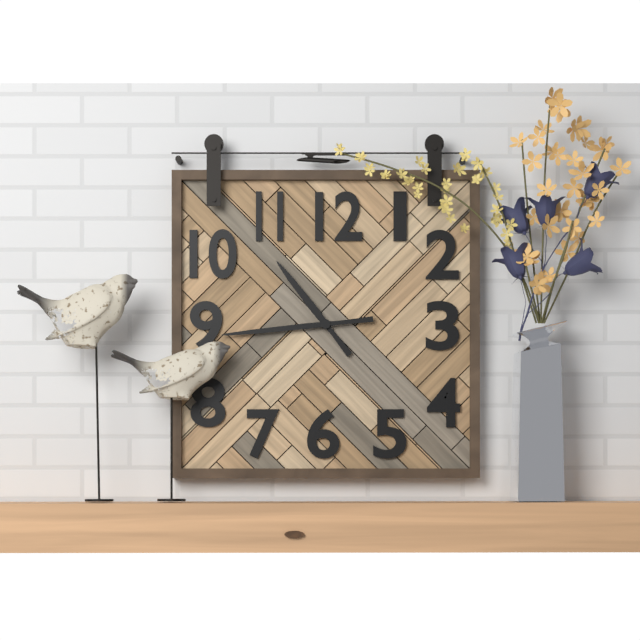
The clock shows {"hour": 10, "minute": 44}
